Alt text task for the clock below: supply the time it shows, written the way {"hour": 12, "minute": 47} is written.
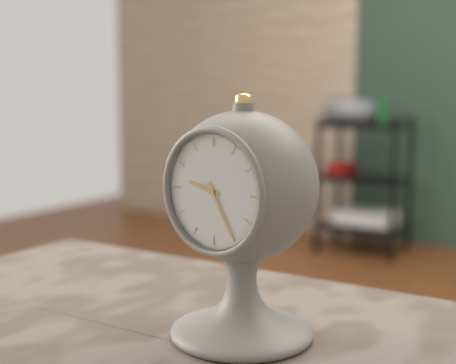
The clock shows {"hour": 9, "minute": 25}
